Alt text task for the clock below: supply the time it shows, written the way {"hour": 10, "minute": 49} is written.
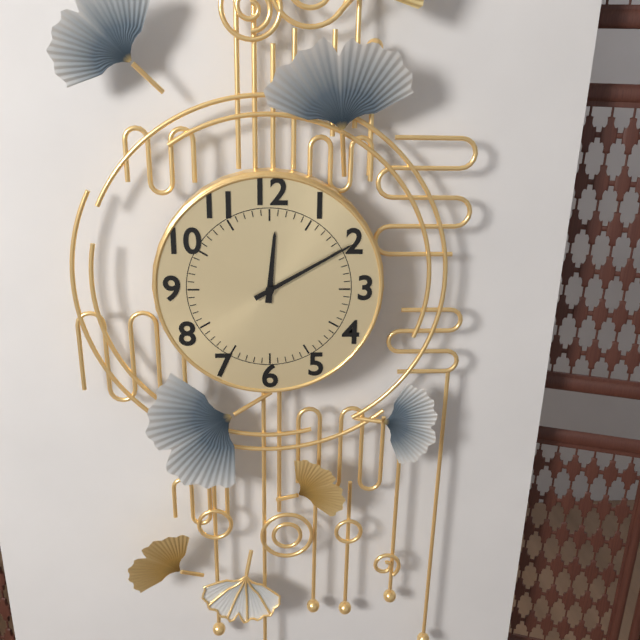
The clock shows {"hour": 12, "minute": 10}
